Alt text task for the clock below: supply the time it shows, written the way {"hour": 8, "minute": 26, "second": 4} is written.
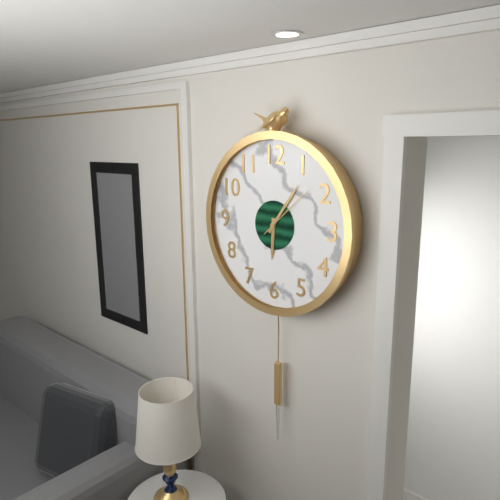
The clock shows {"hour": 6, "minute": 6, "second": 8}
